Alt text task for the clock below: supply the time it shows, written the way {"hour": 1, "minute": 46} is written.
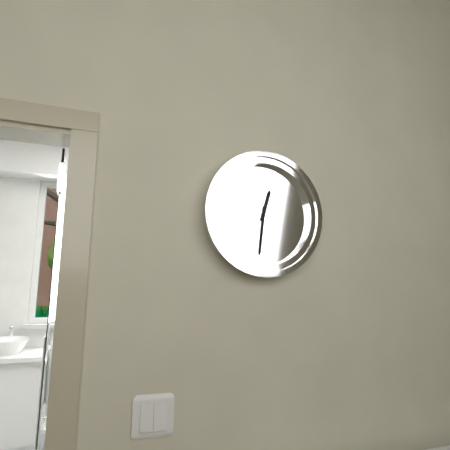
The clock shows {"hour": 12, "minute": 31}
